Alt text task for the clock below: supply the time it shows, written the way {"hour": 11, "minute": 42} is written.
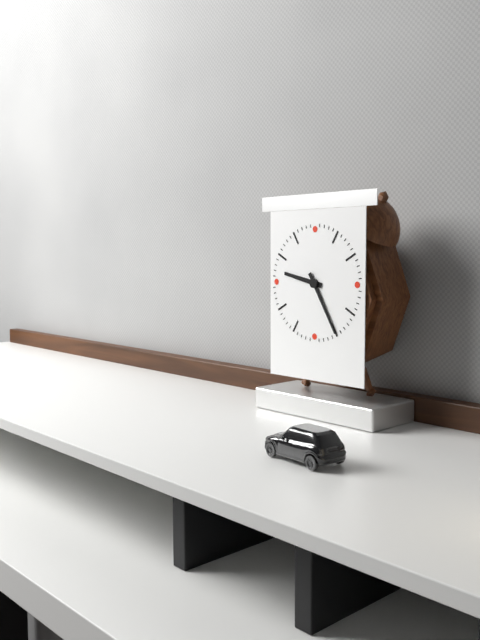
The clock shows {"hour": 9, "minute": 25}
